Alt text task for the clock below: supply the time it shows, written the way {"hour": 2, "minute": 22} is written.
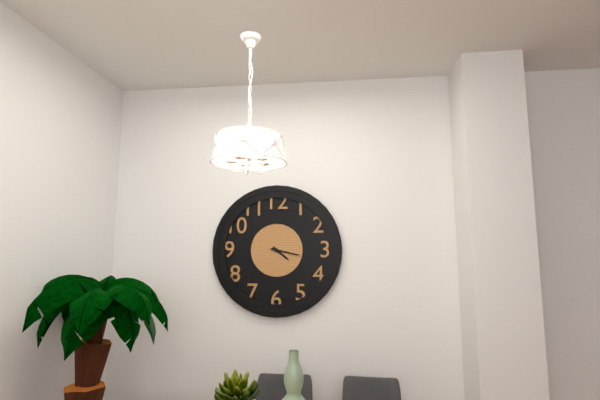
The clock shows {"hour": 4, "minute": 17}
